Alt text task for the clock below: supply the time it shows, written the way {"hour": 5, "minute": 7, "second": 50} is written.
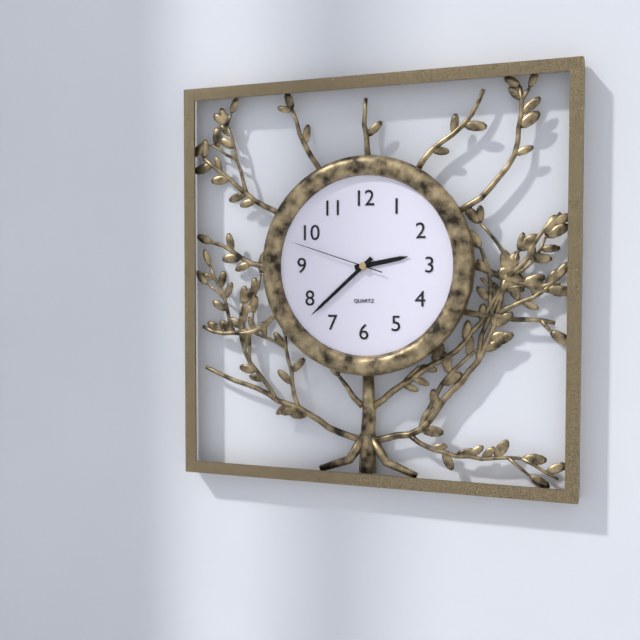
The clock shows {"hour": 2, "minute": 38, "second": 48}
